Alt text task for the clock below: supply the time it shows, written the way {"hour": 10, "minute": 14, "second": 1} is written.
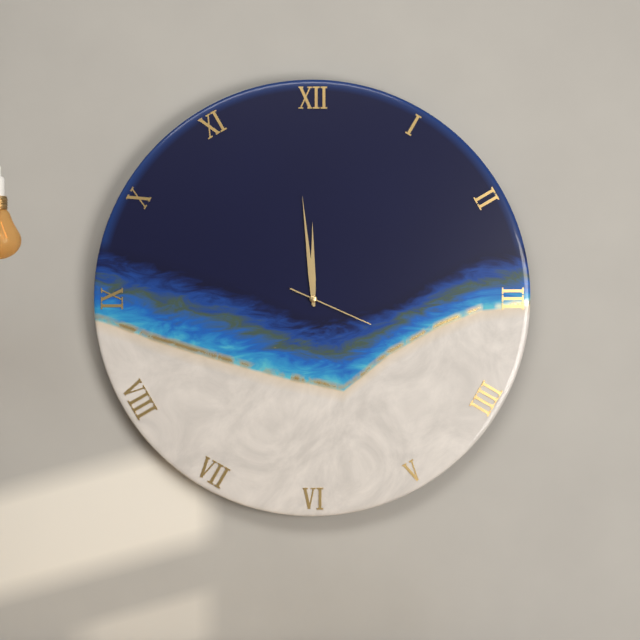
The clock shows {"hour": 11, "minute": 59, "second": 19}
